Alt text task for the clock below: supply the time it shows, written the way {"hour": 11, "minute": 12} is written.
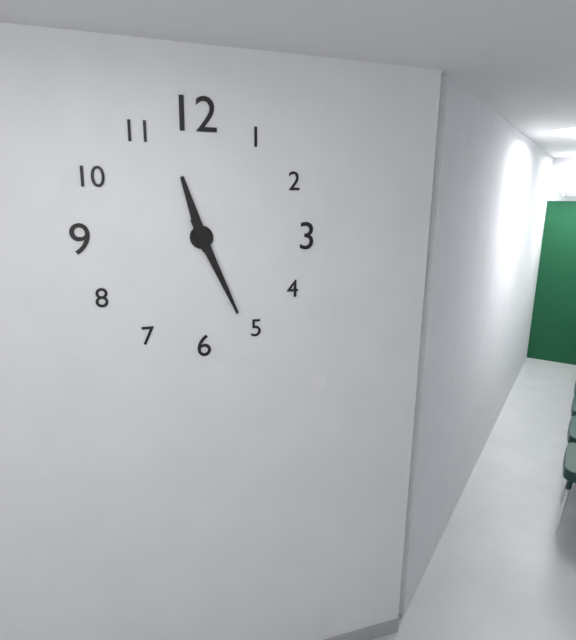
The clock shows {"hour": 11, "minute": 26}
